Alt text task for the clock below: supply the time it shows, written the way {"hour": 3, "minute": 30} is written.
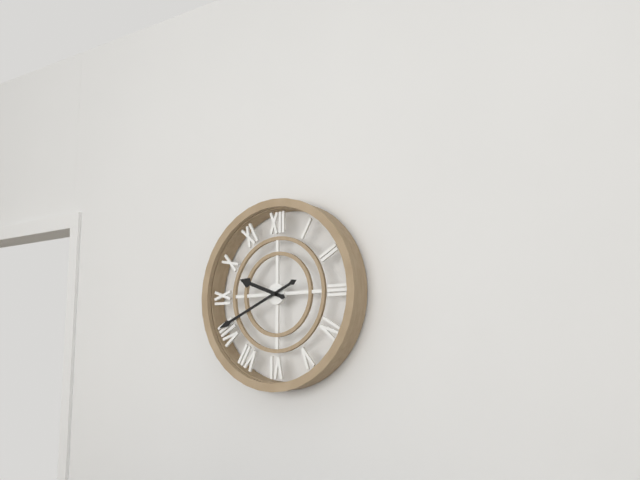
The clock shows {"hour": 9, "minute": 41}
